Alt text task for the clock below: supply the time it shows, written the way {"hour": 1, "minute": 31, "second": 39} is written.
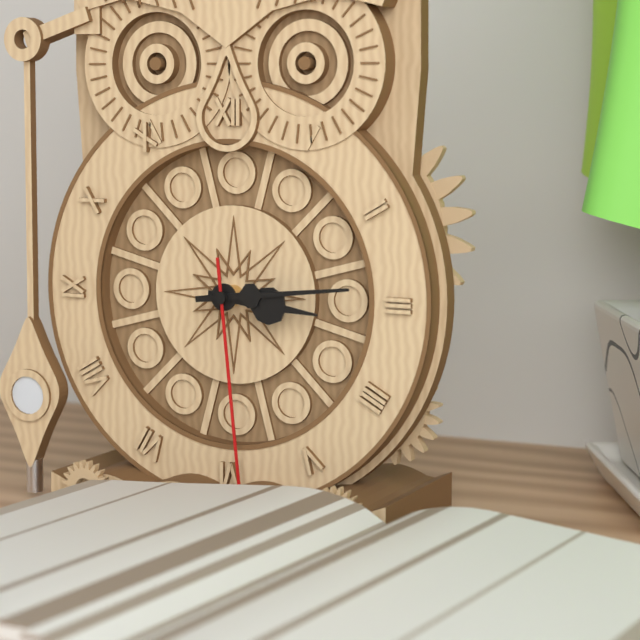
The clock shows {"hour": 3, "minute": 14, "second": 29}
